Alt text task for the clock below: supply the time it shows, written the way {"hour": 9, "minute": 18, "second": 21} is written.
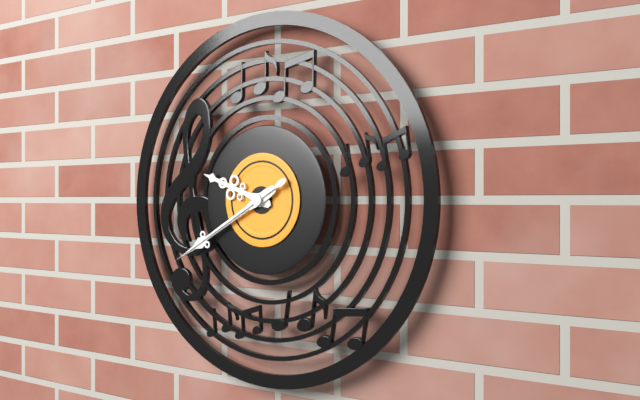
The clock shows {"hour": 9, "minute": 40, "second": 40}
